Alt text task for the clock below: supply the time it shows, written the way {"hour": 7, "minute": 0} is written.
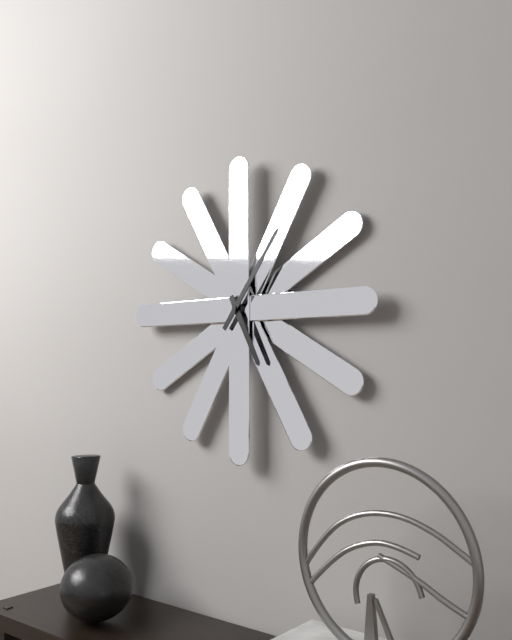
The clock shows {"hour": 5, "minute": 6}
